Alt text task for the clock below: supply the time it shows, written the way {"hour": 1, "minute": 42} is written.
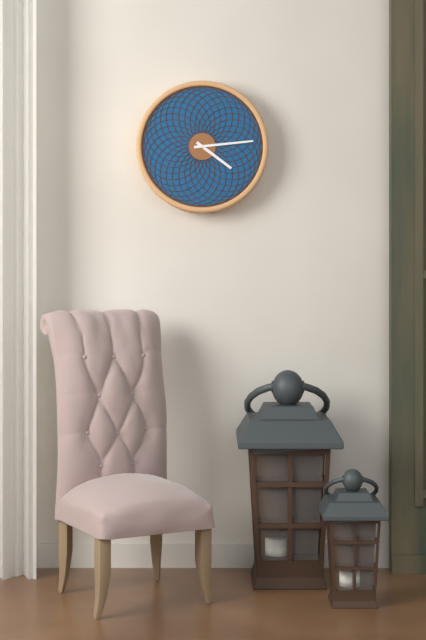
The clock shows {"hour": 4, "minute": 14}
